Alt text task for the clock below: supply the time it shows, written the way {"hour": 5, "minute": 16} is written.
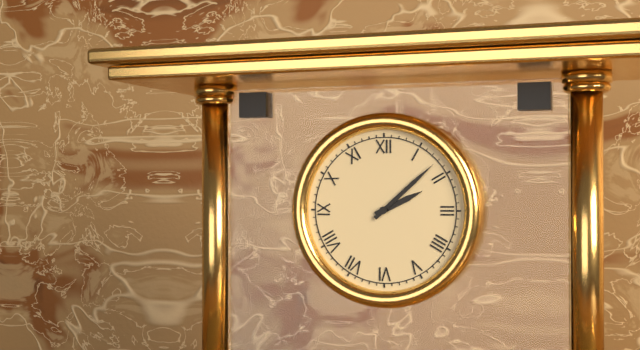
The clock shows {"hour": 2, "minute": 8}
